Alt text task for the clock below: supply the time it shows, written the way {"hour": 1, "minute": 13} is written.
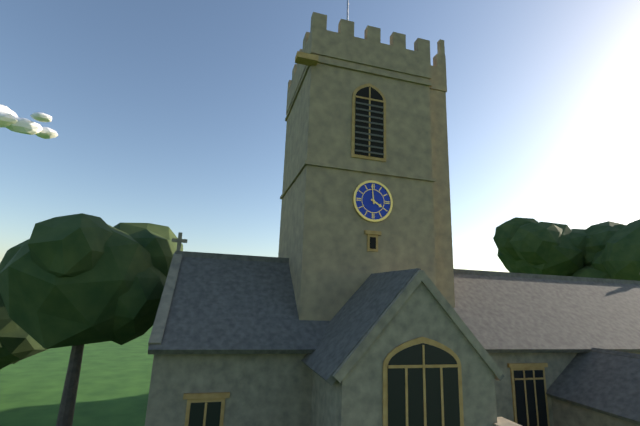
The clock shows {"hour": 3, "minute": 59}
